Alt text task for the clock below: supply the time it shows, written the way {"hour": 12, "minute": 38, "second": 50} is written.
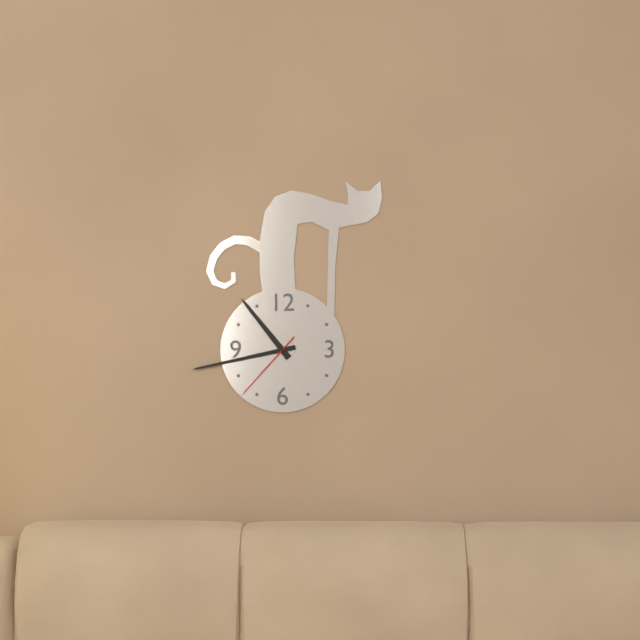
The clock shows {"hour": 10, "minute": 43, "second": 37}
